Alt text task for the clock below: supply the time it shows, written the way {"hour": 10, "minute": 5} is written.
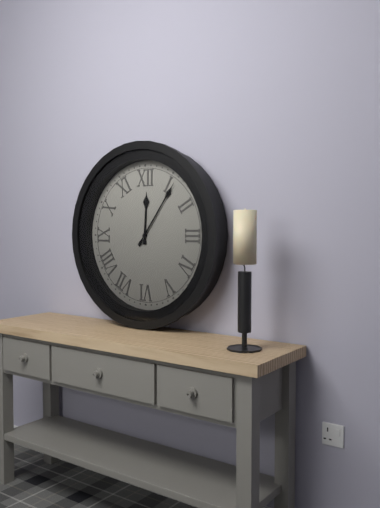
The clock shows {"hour": 12, "minute": 6}
